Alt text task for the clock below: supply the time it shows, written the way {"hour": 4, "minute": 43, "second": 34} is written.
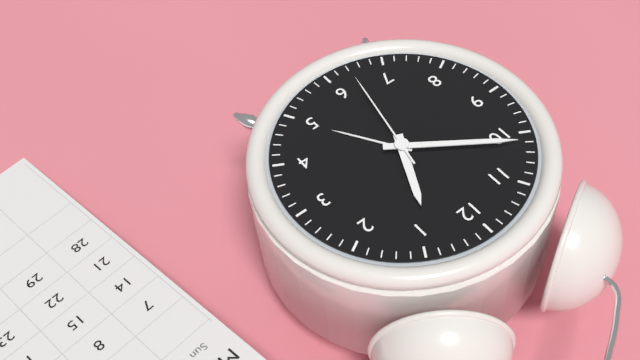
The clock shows {"hour": 12, "minute": 51, "second": 32}
